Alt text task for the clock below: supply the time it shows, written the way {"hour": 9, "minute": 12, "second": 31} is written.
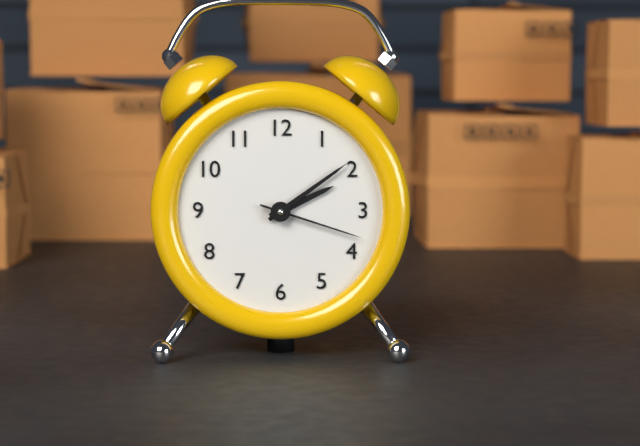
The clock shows {"hour": 2, "minute": 9, "second": 18}
